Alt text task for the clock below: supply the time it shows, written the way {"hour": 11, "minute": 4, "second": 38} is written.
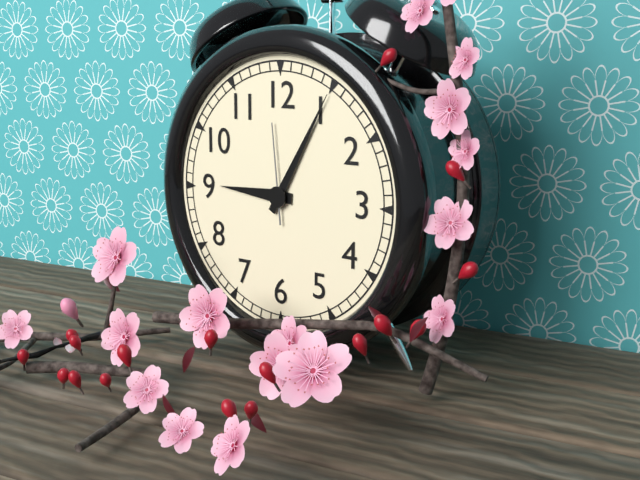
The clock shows {"hour": 9, "minute": 5, "second": 59}
